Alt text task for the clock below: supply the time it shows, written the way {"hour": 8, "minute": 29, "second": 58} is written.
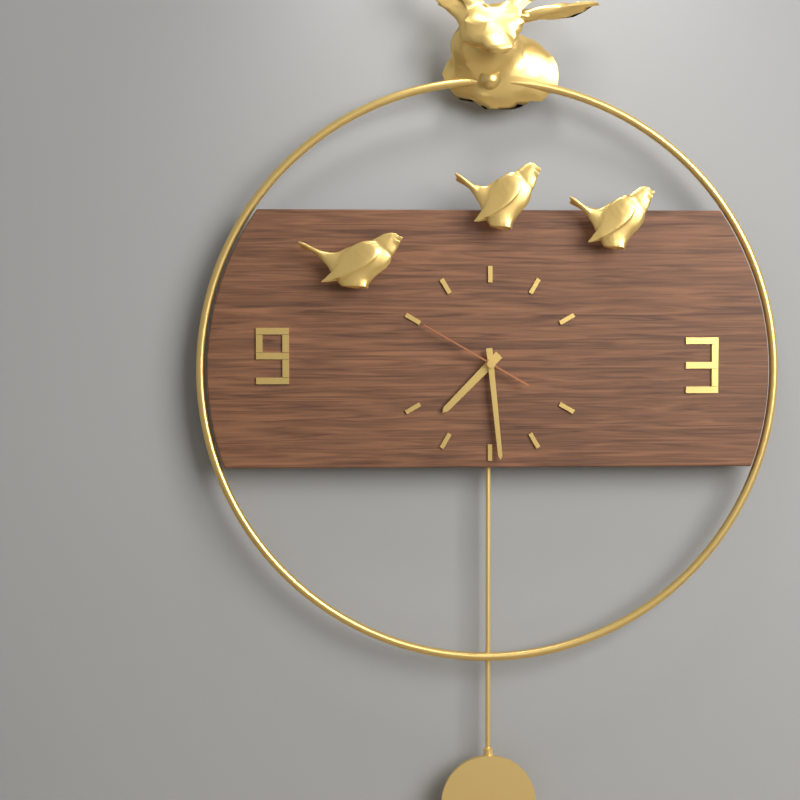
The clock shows {"hour": 7, "minute": 29, "second": 50}
